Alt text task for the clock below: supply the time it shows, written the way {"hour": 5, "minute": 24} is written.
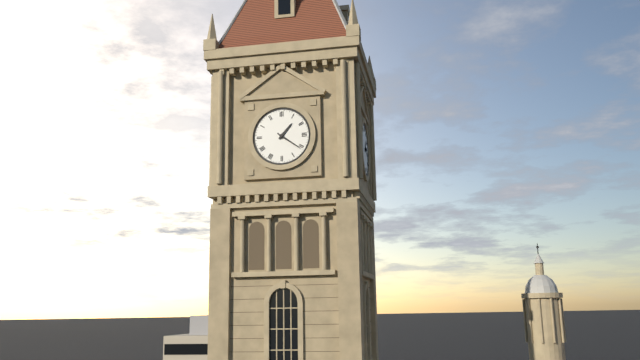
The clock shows {"hour": 1, "minute": 21}
